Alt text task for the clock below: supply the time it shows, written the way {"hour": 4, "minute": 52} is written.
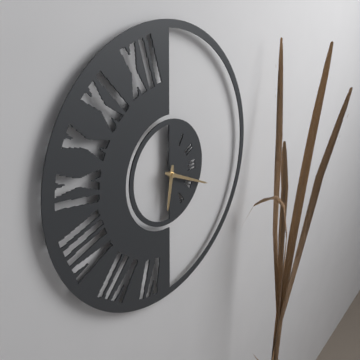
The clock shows {"hour": 6, "minute": 19}
